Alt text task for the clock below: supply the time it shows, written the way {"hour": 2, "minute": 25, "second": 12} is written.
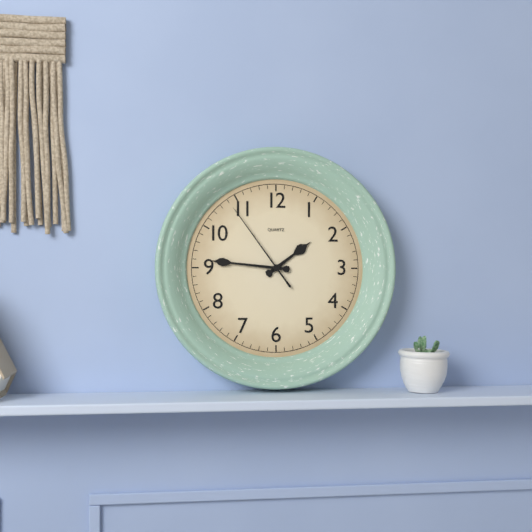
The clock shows {"hour": 1, "minute": 46, "second": 54}
